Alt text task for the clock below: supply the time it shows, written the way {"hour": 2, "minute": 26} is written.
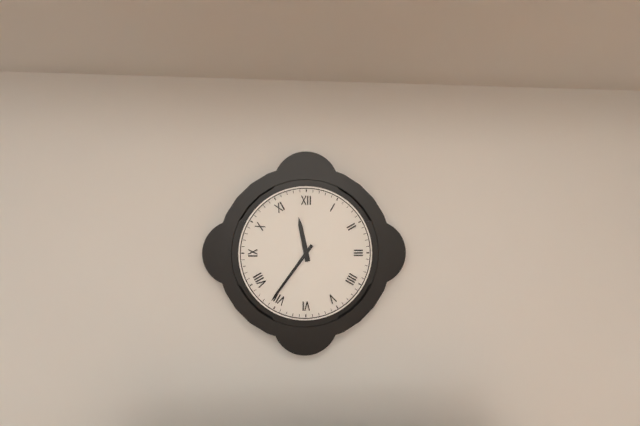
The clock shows {"hour": 11, "minute": 36}
